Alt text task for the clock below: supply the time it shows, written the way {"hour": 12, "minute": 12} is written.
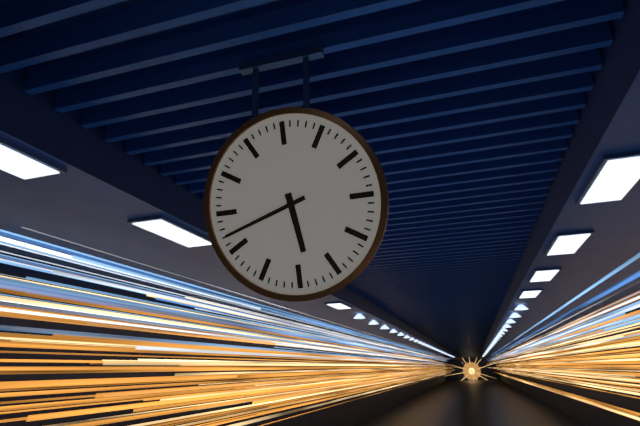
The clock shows {"hour": 5, "minute": 42}
